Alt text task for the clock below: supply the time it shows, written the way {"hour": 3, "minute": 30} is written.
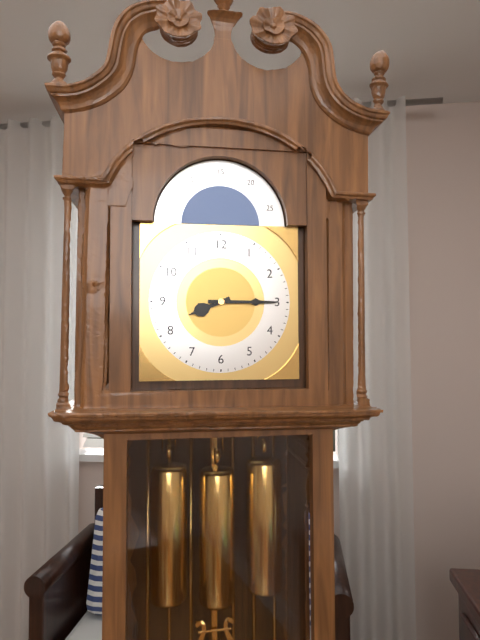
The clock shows {"hour": 8, "minute": 15}
